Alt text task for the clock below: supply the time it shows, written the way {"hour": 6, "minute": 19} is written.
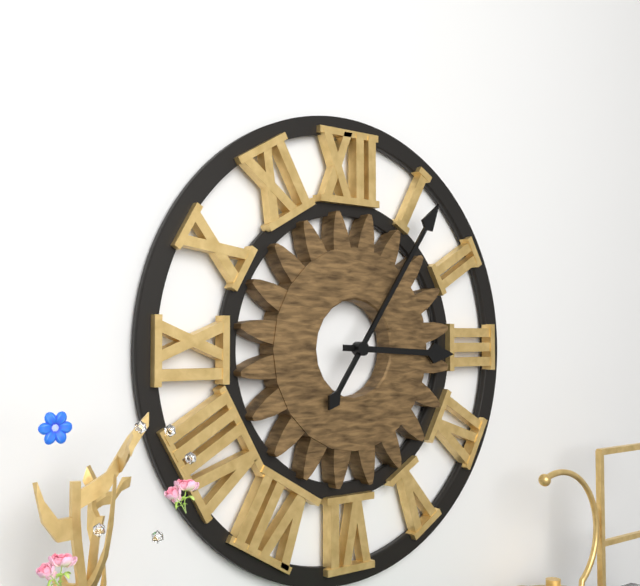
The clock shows {"hour": 3, "minute": 6}
